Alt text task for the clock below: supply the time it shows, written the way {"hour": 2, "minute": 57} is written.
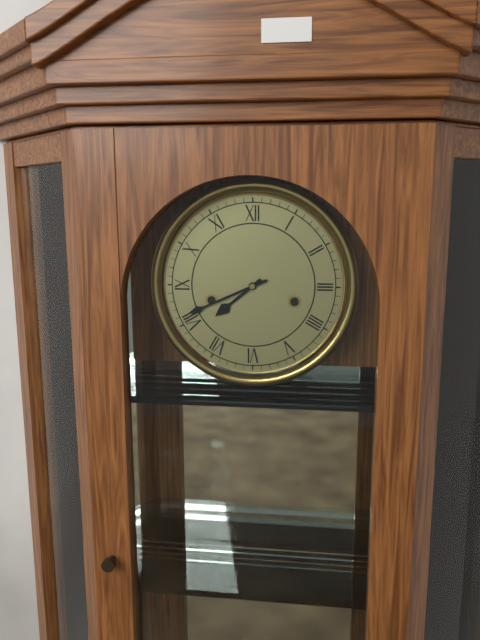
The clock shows {"hour": 7, "minute": 41}
